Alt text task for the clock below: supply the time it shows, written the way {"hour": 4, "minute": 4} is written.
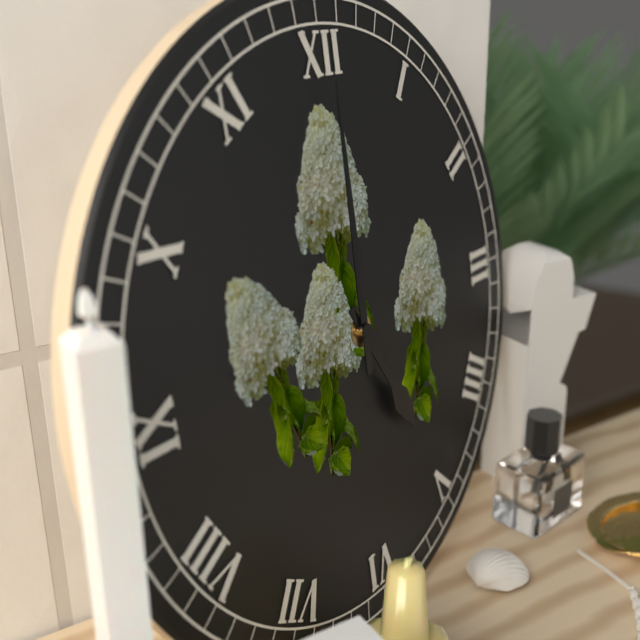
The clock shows {"hour": 5, "minute": 0}
